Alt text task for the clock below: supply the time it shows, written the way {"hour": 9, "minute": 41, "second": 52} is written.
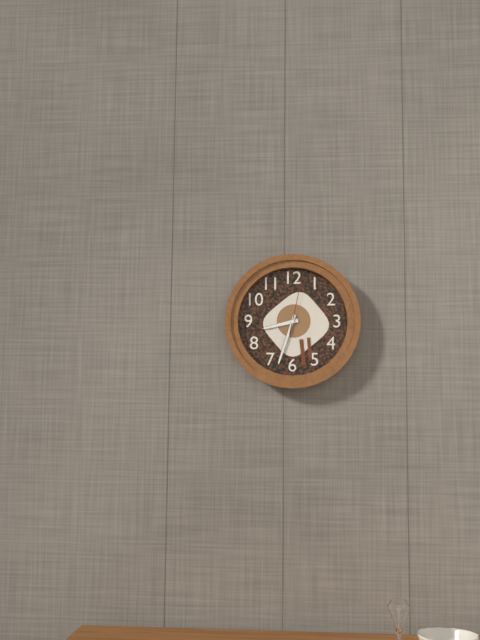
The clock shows {"hour": 8, "minute": 33, "second": 2}
